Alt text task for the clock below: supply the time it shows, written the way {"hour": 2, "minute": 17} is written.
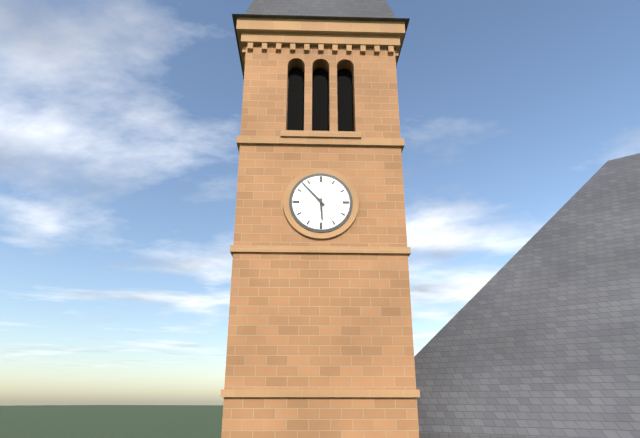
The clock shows {"hour": 5, "minute": 53}
